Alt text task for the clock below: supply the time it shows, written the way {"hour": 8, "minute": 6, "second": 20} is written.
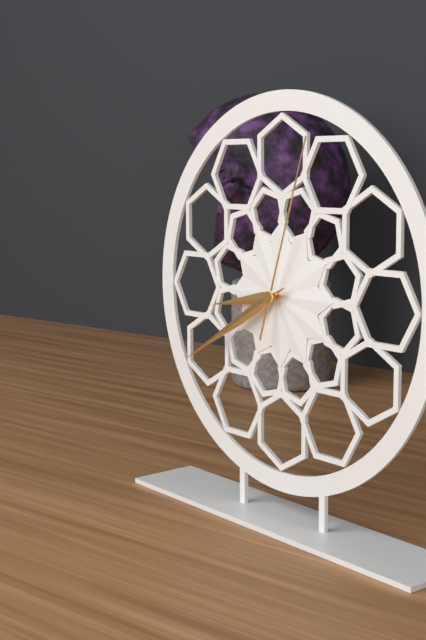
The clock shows {"hour": 8, "minute": 40, "second": 3}
